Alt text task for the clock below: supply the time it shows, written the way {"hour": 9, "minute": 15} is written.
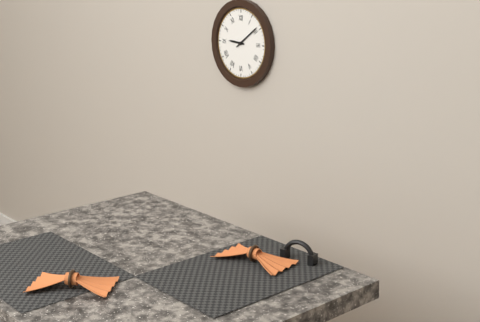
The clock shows {"hour": 9, "minute": 9}
